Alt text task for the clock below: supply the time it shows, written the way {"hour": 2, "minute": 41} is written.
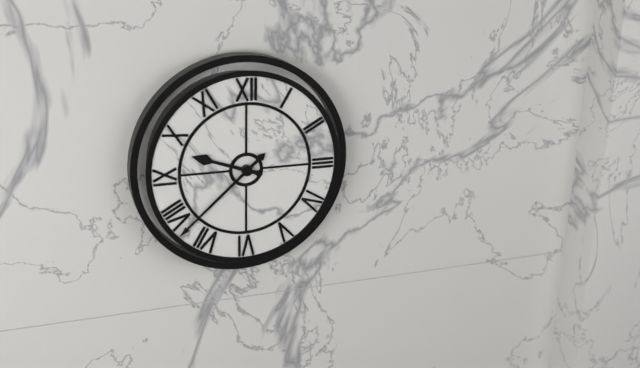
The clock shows {"hour": 9, "minute": 38}
